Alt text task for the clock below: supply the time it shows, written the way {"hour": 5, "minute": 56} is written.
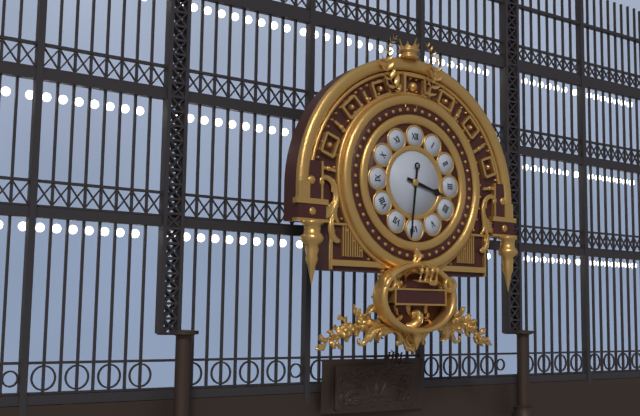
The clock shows {"hour": 3, "minute": 31}
